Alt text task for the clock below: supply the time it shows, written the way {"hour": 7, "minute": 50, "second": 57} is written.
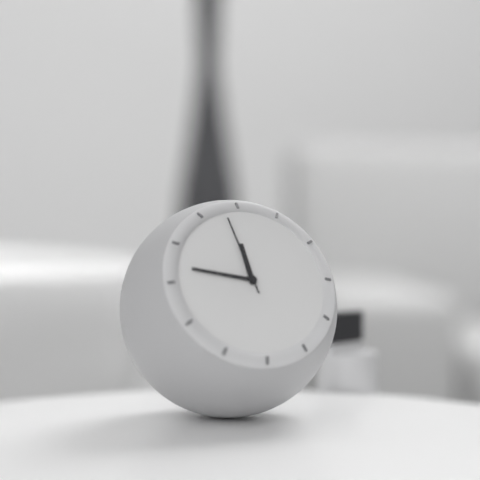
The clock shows {"hour": 11, "minute": 47, "second": 58}
